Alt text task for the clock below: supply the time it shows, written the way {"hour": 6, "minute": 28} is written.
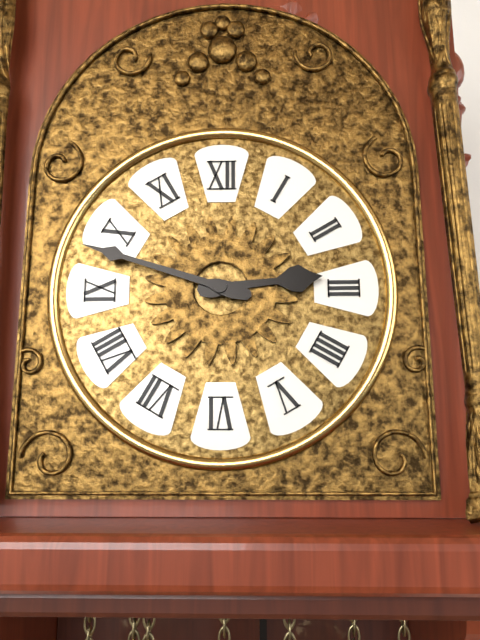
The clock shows {"hour": 2, "minute": 48}
